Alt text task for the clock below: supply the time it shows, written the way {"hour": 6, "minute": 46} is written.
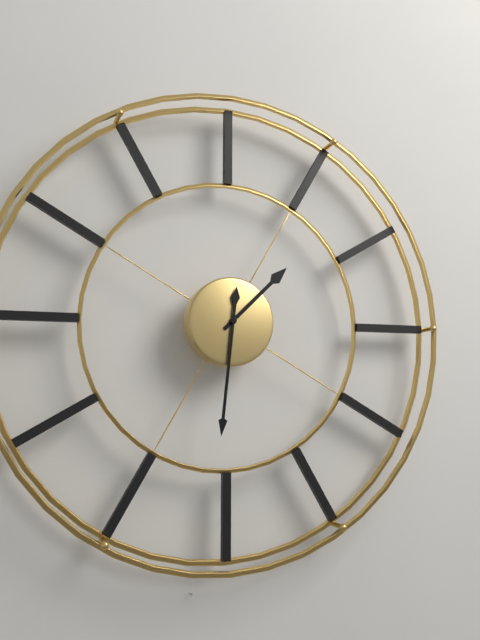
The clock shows {"hour": 1, "minute": 31}
